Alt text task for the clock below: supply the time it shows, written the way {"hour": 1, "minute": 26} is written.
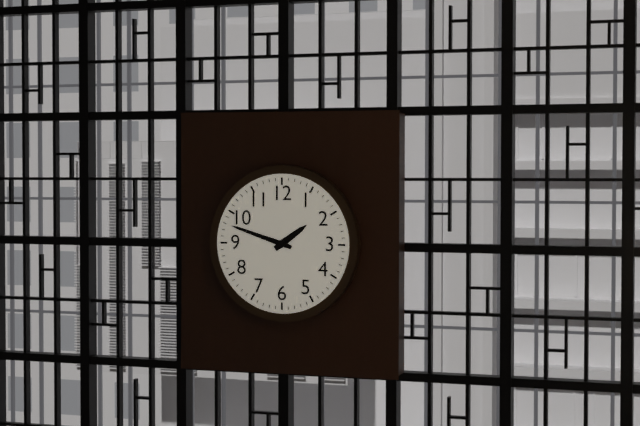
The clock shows {"hour": 1, "minute": 48}
